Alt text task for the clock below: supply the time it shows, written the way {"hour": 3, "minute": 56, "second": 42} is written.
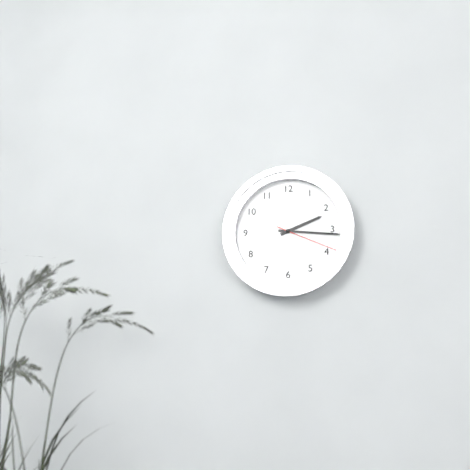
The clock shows {"hour": 2, "minute": 16, "second": 19}
